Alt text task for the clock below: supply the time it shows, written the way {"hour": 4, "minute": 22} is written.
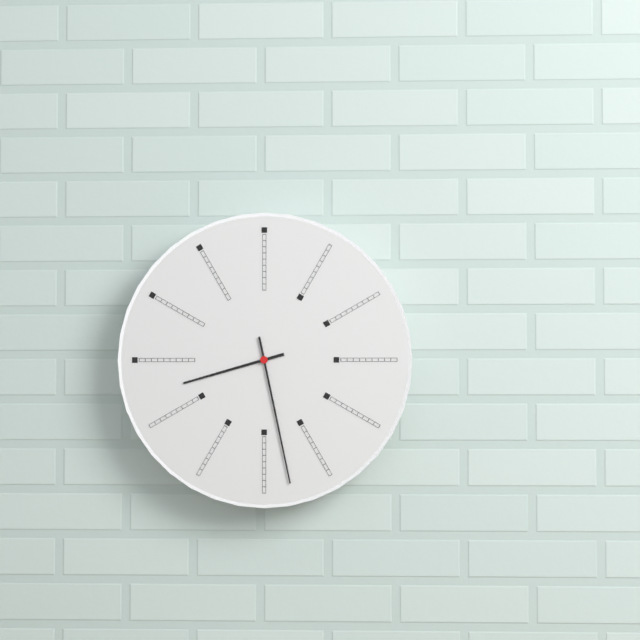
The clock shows {"hour": 8, "minute": 28}
